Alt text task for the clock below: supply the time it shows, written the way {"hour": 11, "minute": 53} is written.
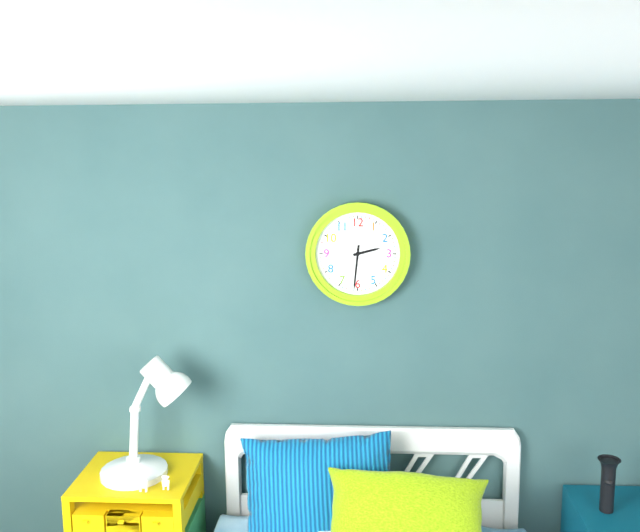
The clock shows {"hour": 2, "minute": 31}
